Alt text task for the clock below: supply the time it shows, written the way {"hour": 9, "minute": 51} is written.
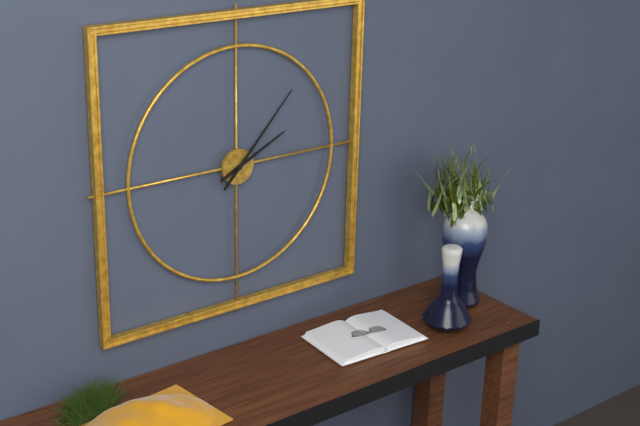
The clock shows {"hour": 2, "minute": 7}
